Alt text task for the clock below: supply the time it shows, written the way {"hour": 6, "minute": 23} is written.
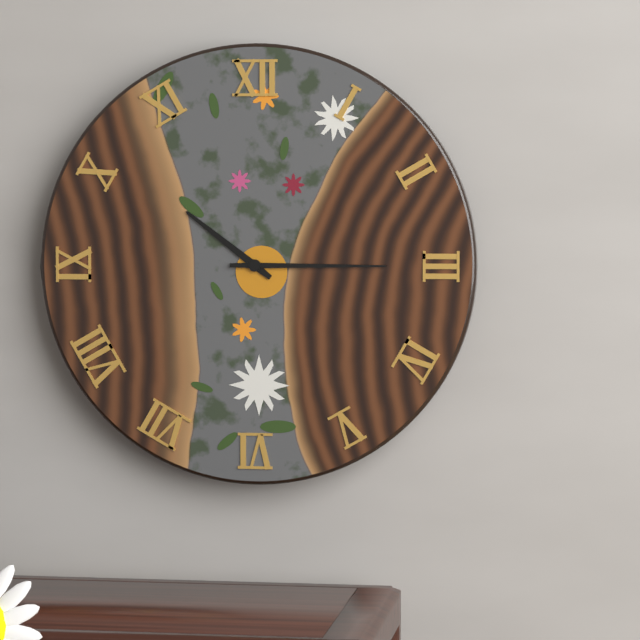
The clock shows {"hour": 10, "minute": 15}
